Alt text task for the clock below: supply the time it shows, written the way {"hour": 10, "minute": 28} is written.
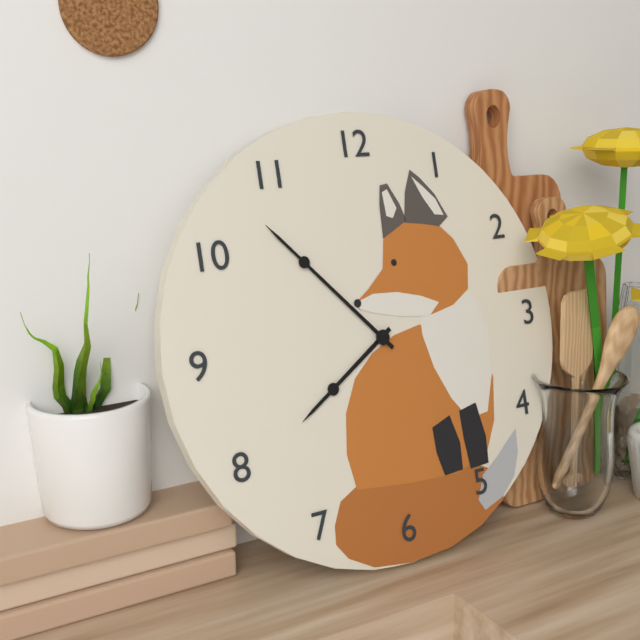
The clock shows {"hour": 7, "minute": 53}
